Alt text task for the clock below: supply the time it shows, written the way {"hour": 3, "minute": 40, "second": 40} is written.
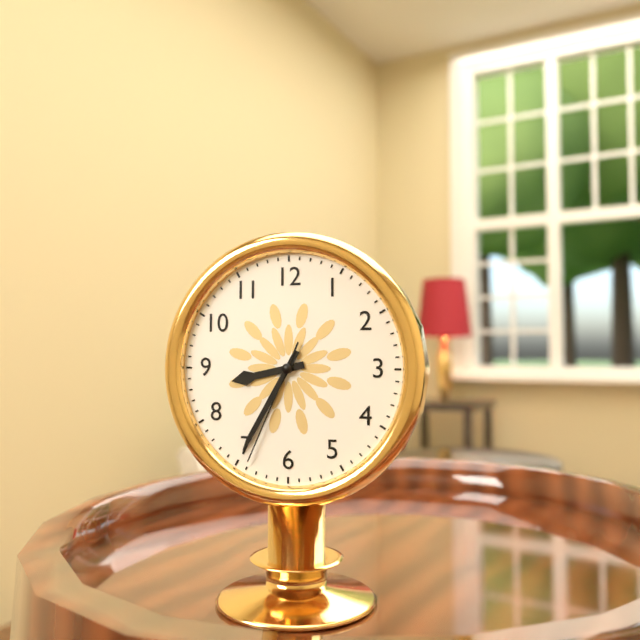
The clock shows {"hour": 8, "minute": 35, "second": 34}
